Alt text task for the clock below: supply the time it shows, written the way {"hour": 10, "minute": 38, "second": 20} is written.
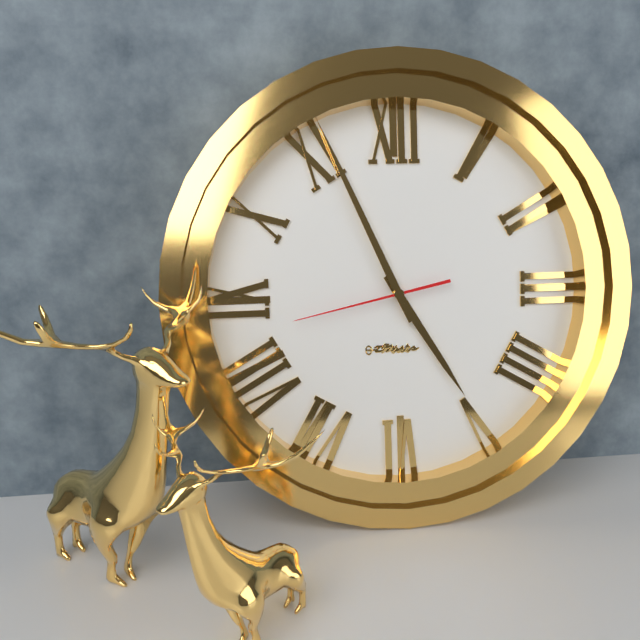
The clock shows {"hour": 4, "minute": 56, "second": 43}
